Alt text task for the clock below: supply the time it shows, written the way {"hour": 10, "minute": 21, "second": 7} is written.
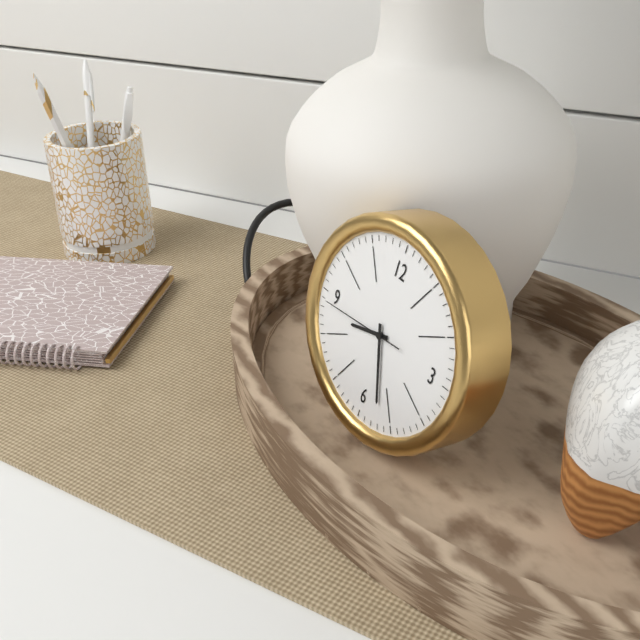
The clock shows {"hour": 8, "minute": 27, "second": 44}
